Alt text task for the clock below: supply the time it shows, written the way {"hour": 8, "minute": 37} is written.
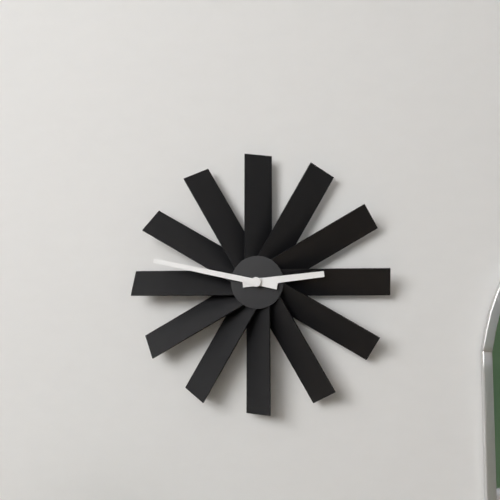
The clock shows {"hour": 2, "minute": 47}
